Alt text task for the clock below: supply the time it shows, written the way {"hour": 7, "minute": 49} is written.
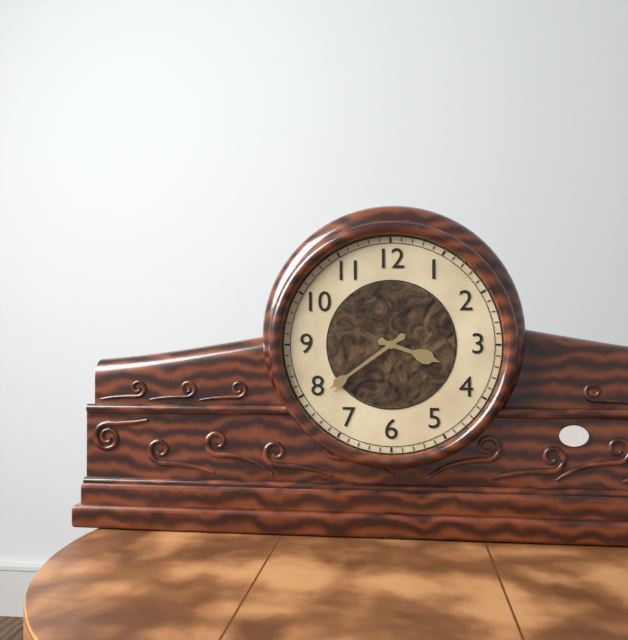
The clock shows {"hour": 3, "minute": 39}
